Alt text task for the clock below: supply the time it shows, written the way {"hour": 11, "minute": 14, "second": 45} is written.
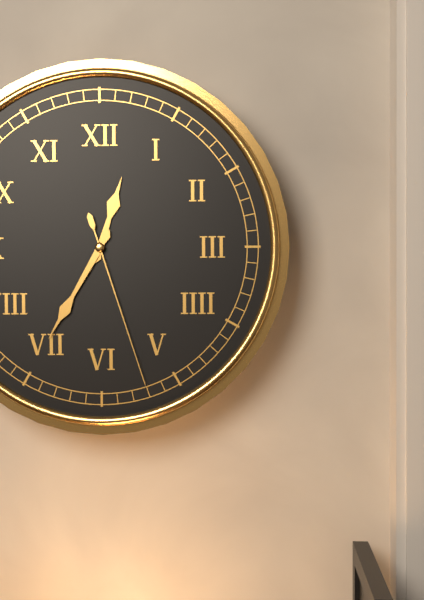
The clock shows {"hour": 12, "minute": 35, "second": 27}
